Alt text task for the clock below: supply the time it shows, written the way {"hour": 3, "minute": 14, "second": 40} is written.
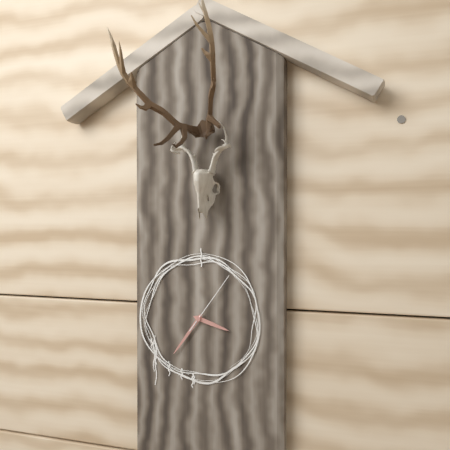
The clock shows {"hour": 3, "minute": 36, "second": 6}
